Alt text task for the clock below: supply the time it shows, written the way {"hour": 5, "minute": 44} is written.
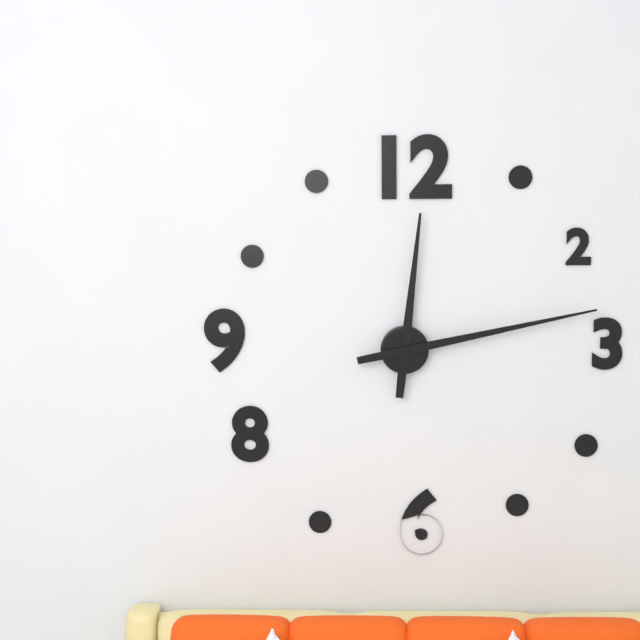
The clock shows {"hour": 12, "minute": 13}
